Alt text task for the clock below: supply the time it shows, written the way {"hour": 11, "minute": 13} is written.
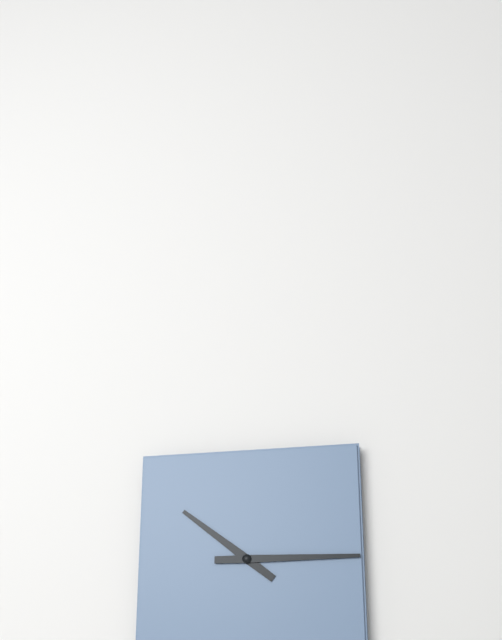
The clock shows {"hour": 10, "minute": 15}
